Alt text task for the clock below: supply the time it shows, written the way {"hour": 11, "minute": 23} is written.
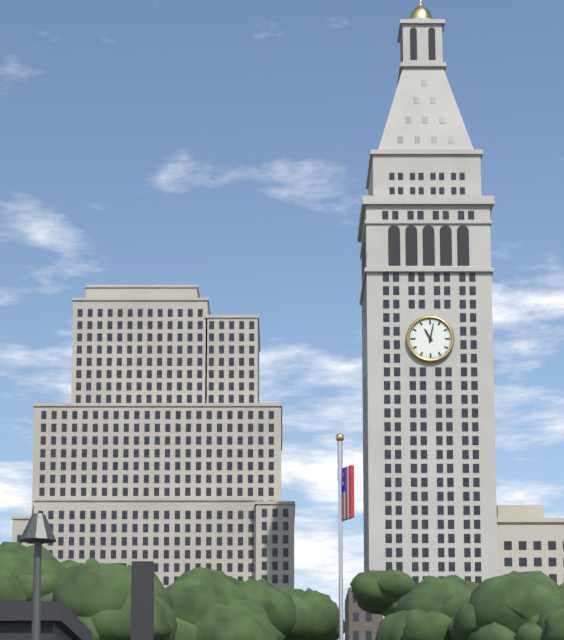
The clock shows {"hour": 11, "minute": 2}
